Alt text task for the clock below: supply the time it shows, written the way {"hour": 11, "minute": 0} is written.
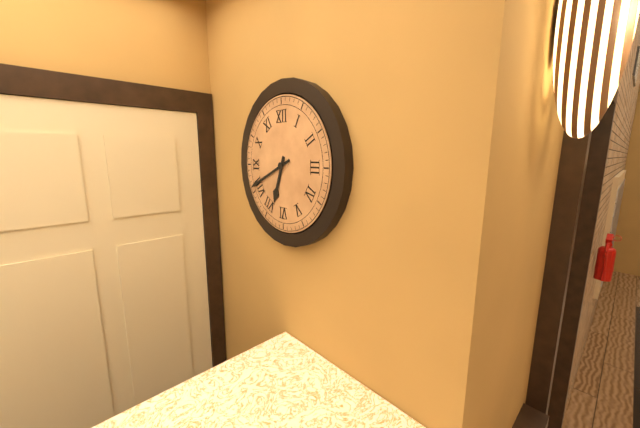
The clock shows {"hour": 6, "minute": 41}
